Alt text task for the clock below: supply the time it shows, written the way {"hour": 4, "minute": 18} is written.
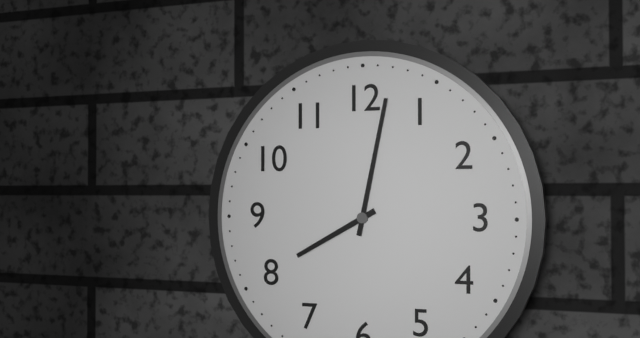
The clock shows {"hour": 8, "minute": 2}
